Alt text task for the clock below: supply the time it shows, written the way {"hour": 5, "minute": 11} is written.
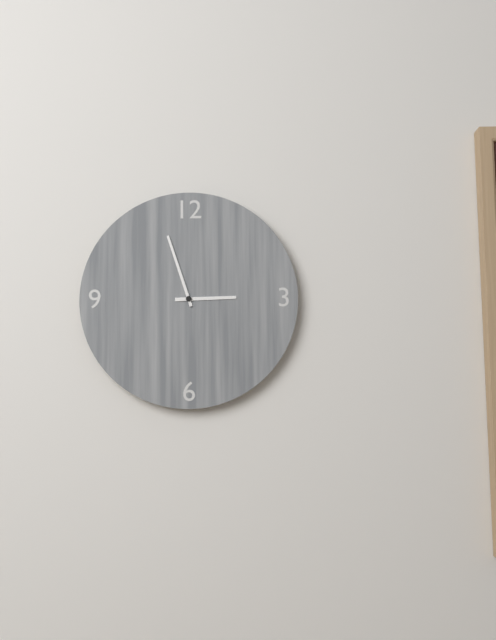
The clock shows {"hour": 2, "minute": 57}
